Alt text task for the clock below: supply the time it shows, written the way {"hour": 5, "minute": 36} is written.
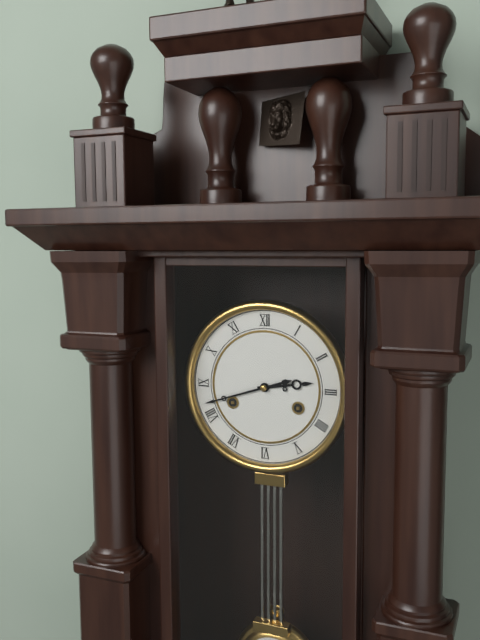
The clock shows {"hour": 2, "minute": 42}
